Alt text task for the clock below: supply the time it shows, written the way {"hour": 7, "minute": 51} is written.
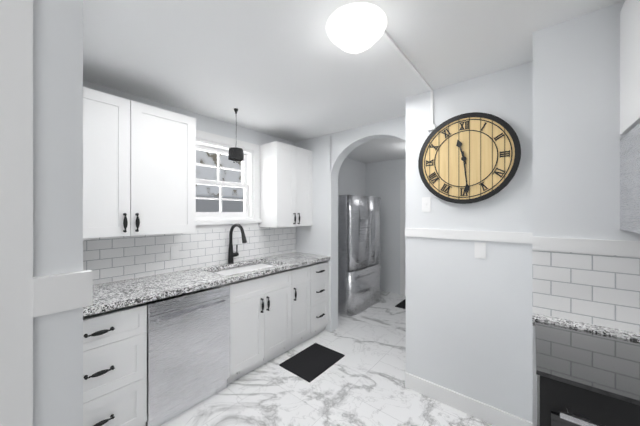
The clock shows {"hour": 11, "minute": 29}
